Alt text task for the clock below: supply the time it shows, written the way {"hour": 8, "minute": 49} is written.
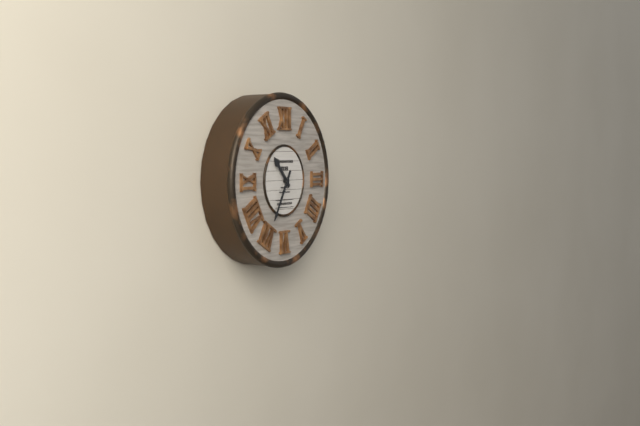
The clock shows {"hour": 10, "minute": 35}
